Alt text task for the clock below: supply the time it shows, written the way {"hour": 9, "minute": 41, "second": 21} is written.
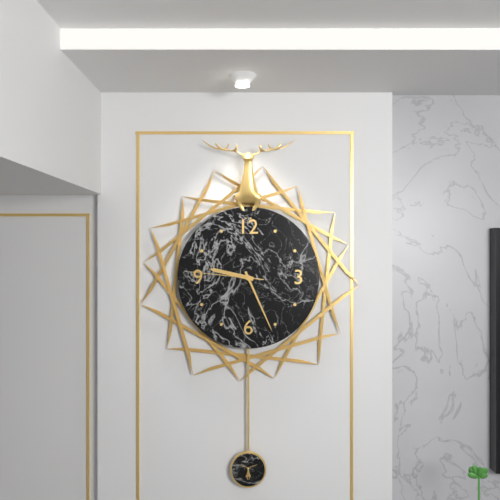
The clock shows {"hour": 9, "minute": 26, "second": 46}
